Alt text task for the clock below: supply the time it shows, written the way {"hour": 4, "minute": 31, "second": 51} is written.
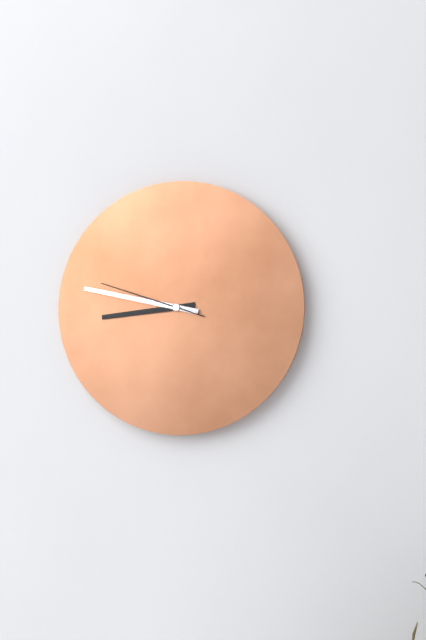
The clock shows {"hour": 8, "minute": 47, "second": 48}
